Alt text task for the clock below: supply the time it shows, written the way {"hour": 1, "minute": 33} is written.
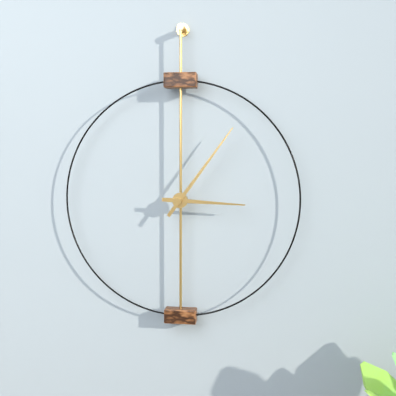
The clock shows {"hour": 3, "minute": 6}
